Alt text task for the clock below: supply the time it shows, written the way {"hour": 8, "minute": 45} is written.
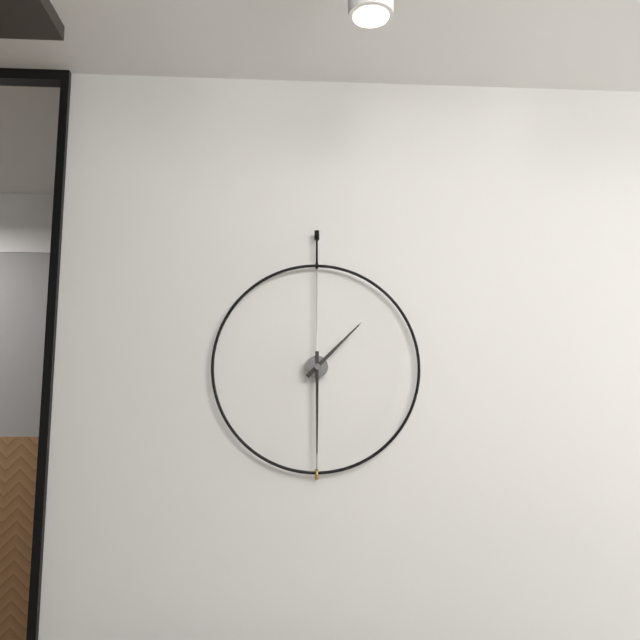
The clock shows {"hour": 1, "minute": 30}
